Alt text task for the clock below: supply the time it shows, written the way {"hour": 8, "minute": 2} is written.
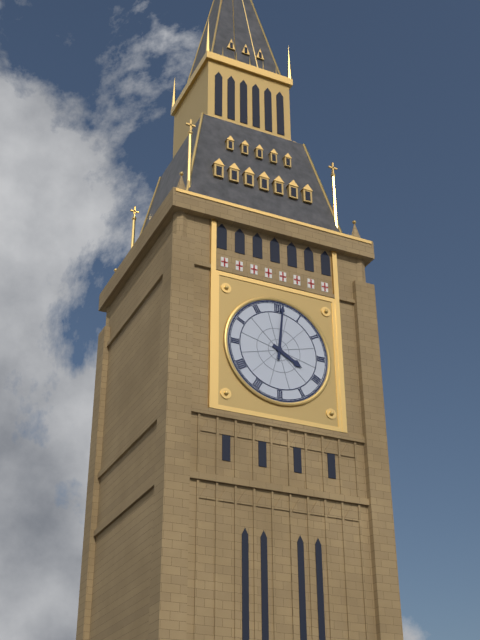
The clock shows {"hour": 4, "minute": 1}
